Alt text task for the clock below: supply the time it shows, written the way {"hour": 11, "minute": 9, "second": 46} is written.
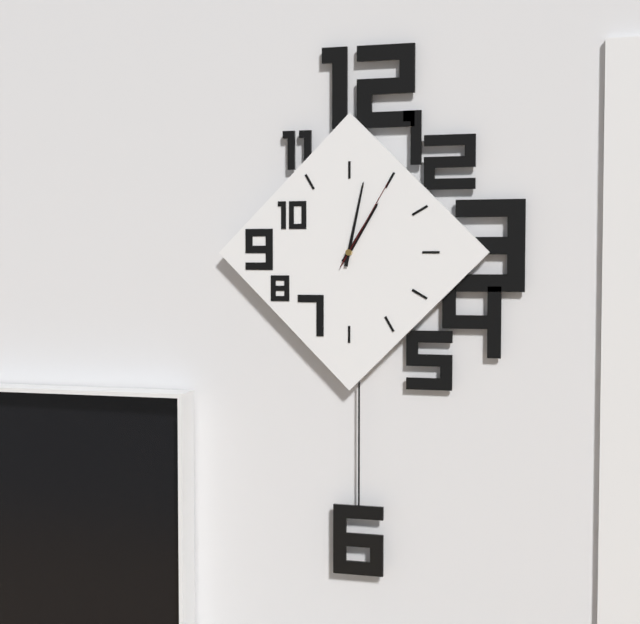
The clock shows {"hour": 1, "minute": 2, "second": 5}
